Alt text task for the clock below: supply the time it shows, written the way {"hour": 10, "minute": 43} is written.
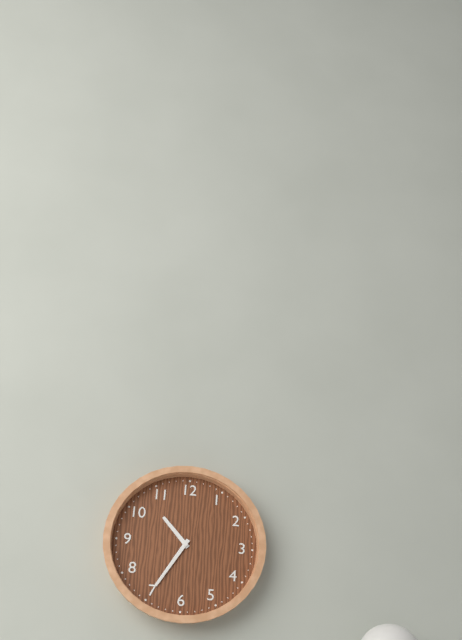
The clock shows {"hour": 10, "minute": 35}
